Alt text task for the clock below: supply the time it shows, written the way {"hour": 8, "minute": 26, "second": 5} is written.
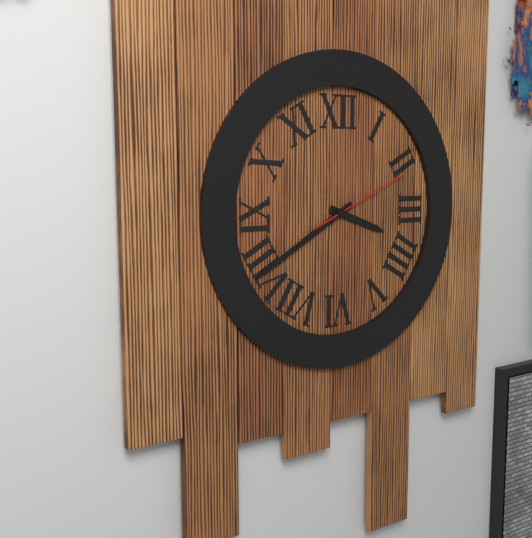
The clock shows {"hour": 3, "minute": 40, "second": 11}
